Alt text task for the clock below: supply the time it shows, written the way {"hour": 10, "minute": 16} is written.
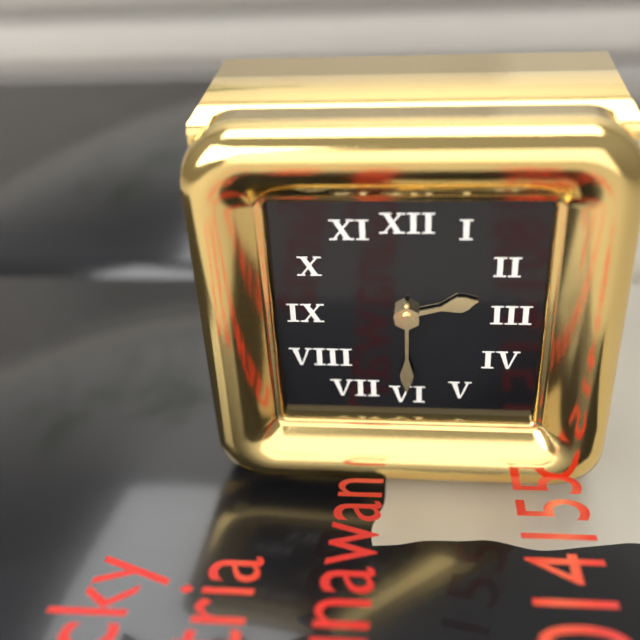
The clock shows {"hour": 2, "minute": 30}
